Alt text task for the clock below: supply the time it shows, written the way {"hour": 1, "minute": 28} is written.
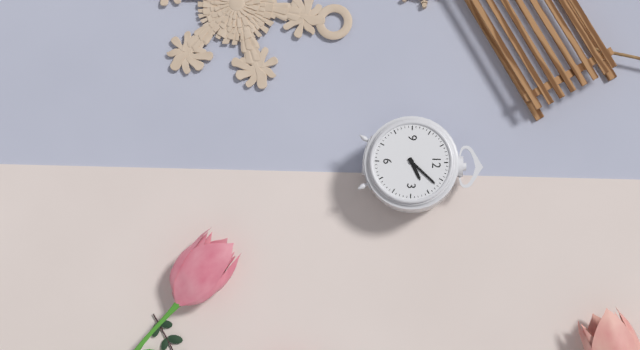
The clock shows {"hour": 2, "minute": 7}
